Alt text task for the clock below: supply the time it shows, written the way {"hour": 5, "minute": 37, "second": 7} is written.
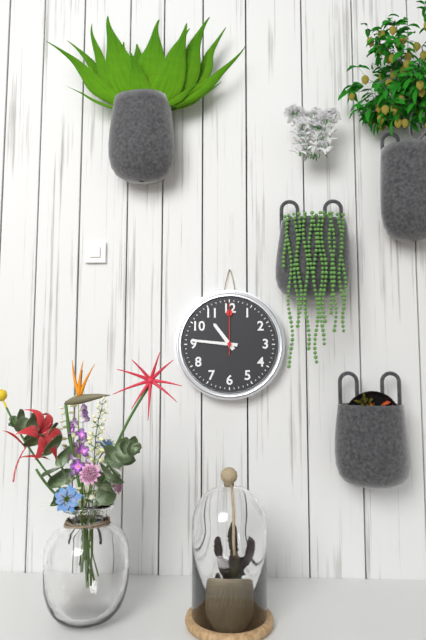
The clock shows {"hour": 10, "minute": 46, "second": 0}
